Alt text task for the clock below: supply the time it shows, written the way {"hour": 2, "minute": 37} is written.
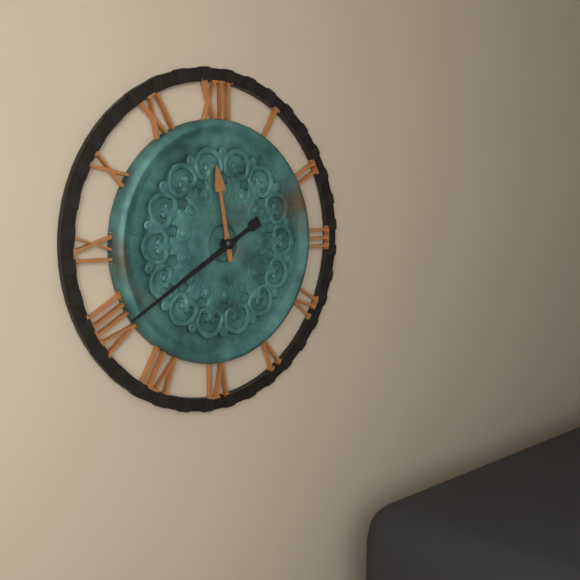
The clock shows {"hour": 11, "minute": 40}
